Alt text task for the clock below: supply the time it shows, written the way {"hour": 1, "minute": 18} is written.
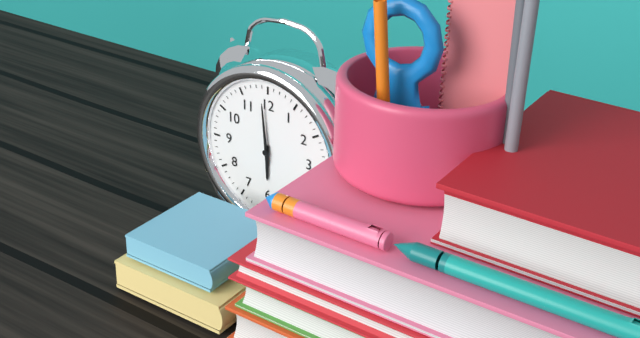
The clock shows {"hour": 5, "minute": 59}
